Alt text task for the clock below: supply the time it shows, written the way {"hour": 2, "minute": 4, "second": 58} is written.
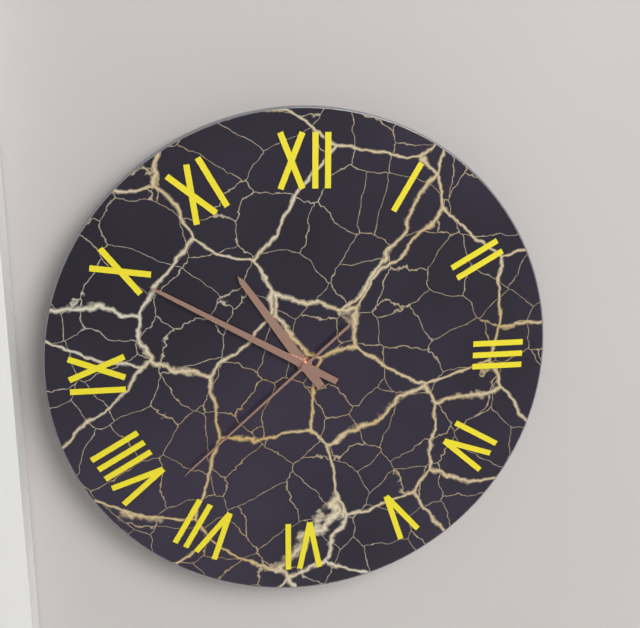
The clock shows {"hour": 10, "minute": 50, "second": 38}
